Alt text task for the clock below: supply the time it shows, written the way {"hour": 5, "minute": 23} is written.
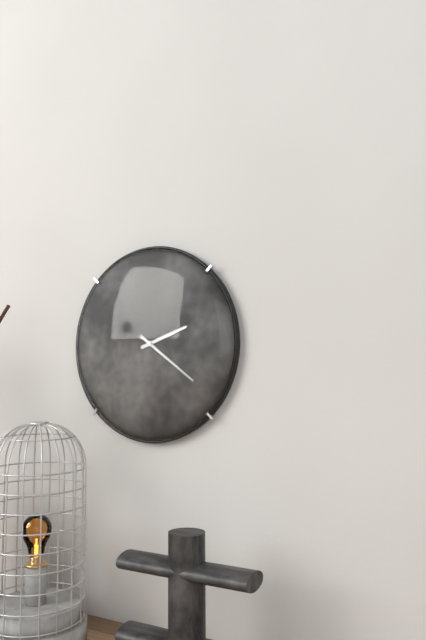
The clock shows {"hour": 2, "minute": 21}
